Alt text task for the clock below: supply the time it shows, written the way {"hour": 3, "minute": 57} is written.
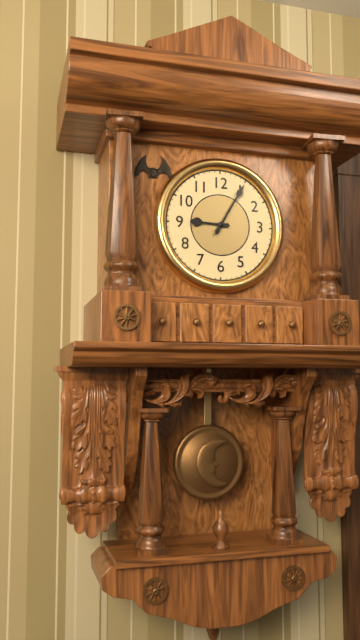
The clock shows {"hour": 9, "minute": 5}
